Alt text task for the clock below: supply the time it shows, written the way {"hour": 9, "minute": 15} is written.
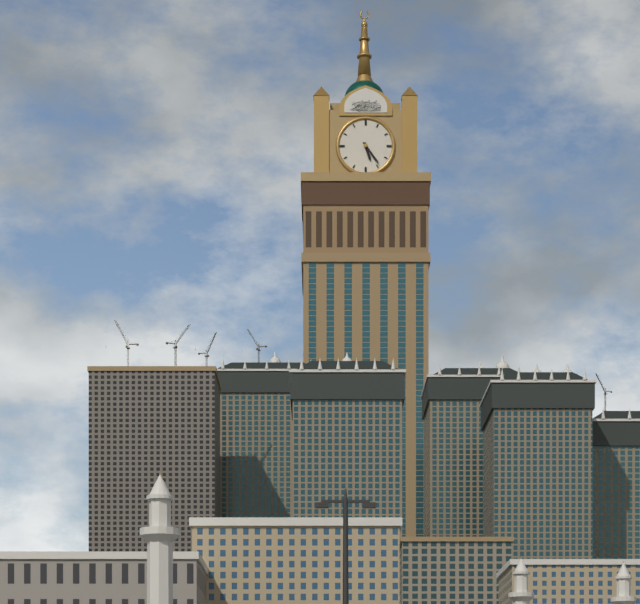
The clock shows {"hour": 5, "minute": 24}
